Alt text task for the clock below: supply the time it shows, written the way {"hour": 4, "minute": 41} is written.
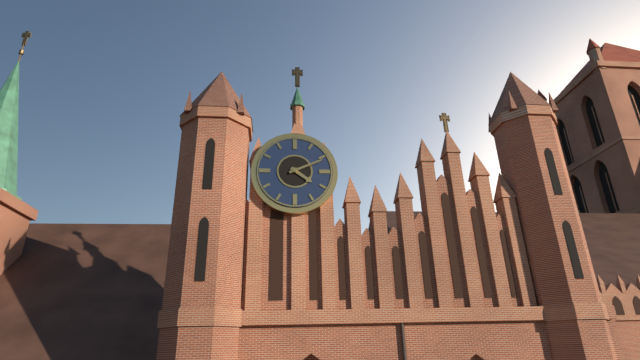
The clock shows {"hour": 4, "minute": 11}
